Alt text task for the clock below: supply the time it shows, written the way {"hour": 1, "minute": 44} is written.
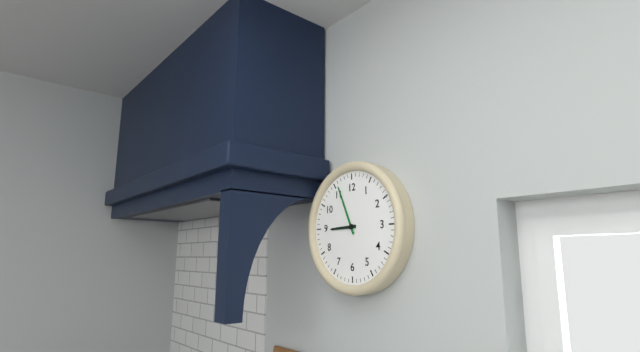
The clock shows {"hour": 8, "minute": 56}
